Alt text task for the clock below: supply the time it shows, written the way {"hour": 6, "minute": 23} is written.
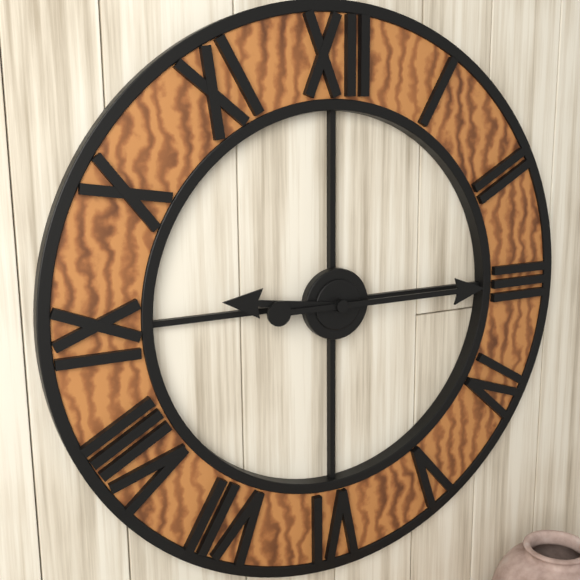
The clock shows {"hour": 9, "minute": 15}
